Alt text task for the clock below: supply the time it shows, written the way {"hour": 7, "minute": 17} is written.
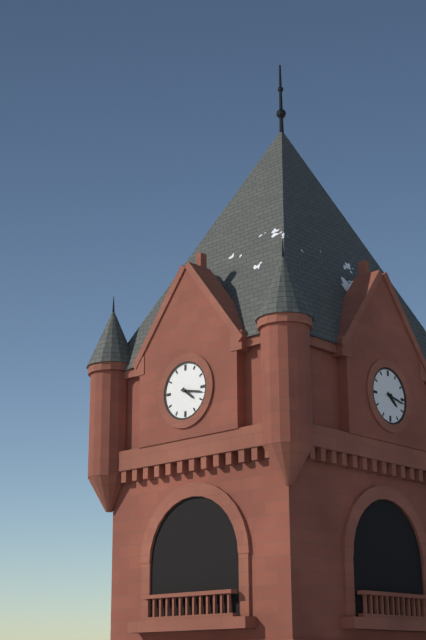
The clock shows {"hour": 4, "minute": 17}
